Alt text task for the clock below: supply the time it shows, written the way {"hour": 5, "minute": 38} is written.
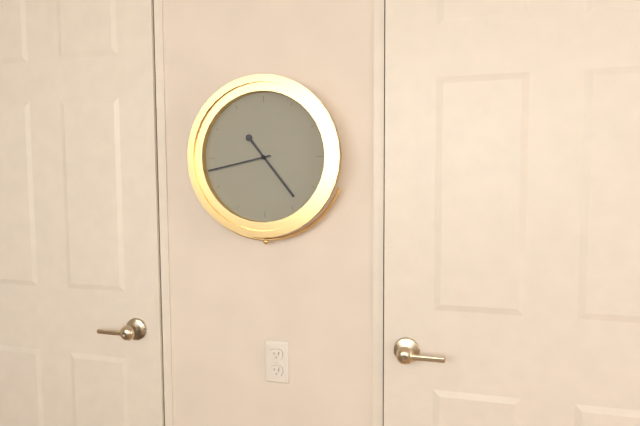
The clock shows {"hour": 4, "minute": 43}
